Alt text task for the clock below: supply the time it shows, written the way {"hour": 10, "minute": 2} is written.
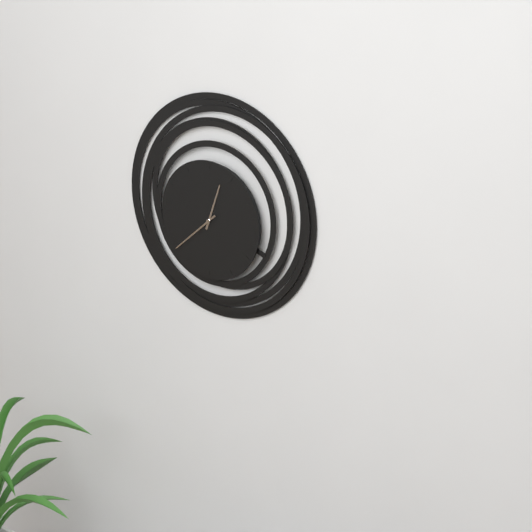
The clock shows {"hour": 12, "minute": 38}
